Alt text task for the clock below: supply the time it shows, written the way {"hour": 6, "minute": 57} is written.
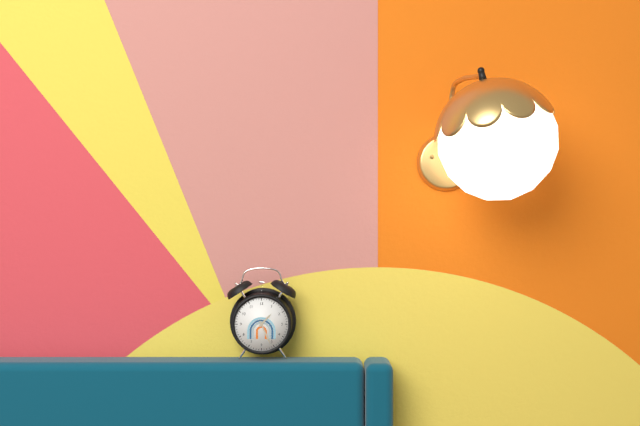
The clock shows {"hour": 1, "minute": 26}
